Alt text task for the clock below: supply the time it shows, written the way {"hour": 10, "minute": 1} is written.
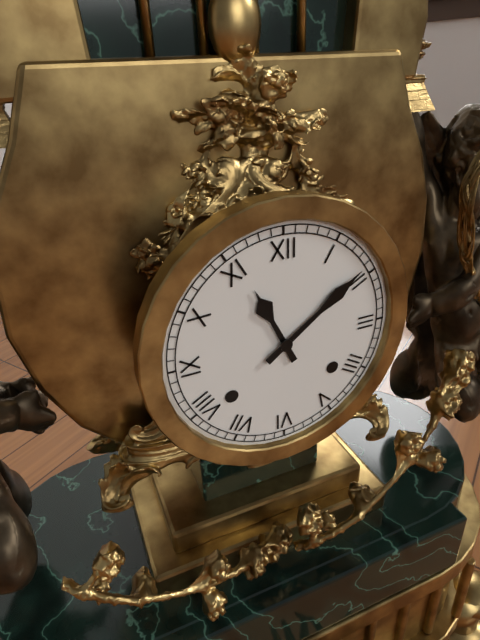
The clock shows {"hour": 11, "minute": 9}
